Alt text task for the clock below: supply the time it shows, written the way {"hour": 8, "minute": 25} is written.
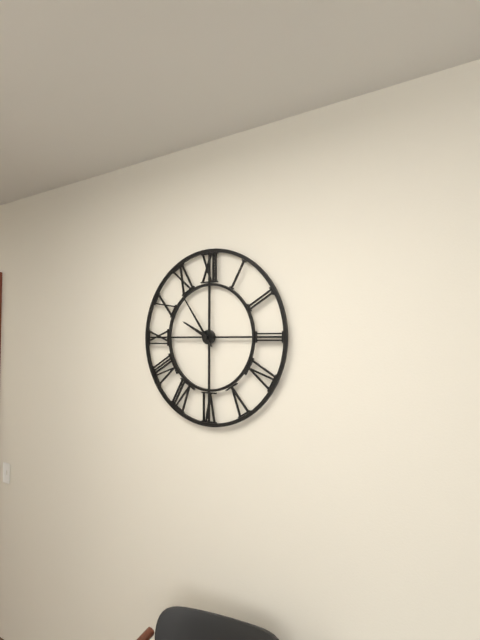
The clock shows {"hour": 9, "minute": 54}
